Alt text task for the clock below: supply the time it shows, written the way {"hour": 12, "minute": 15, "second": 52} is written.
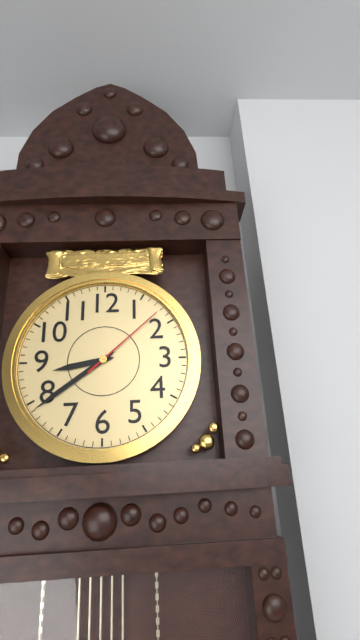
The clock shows {"hour": 8, "minute": 39, "second": 8}
